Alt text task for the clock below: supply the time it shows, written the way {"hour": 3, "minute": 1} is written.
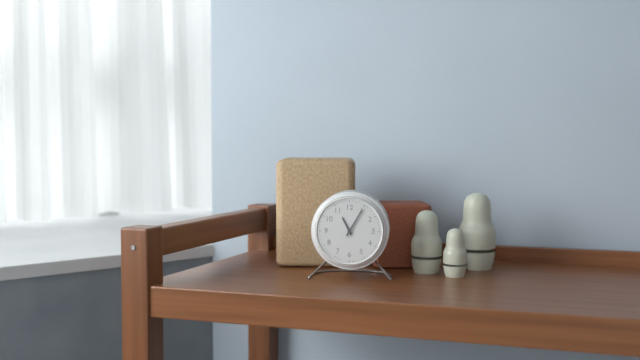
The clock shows {"hour": 11, "minute": 5}
